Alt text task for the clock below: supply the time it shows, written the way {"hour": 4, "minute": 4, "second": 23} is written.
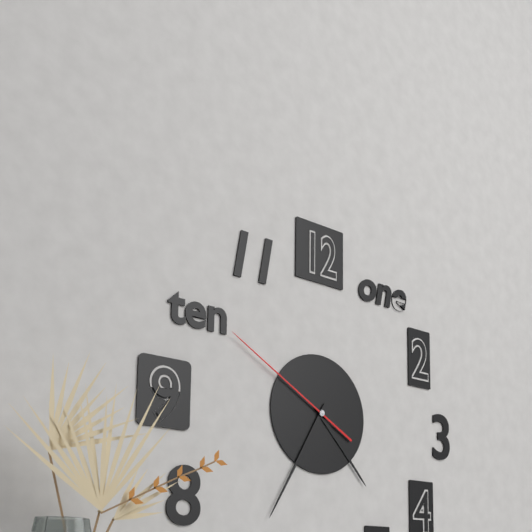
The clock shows {"hour": 4, "minute": 35, "second": 50}
